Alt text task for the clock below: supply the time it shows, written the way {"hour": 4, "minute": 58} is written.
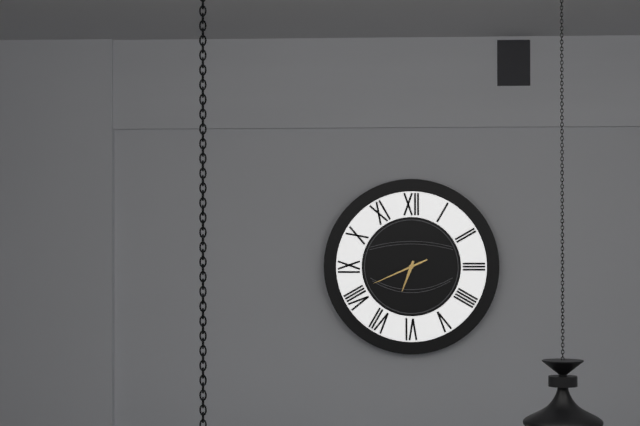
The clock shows {"hour": 6, "minute": 41}
